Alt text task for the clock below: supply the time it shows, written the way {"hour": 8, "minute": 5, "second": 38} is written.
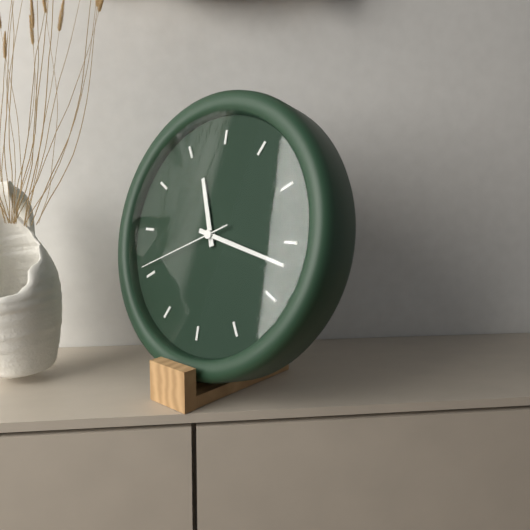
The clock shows {"hour": 11, "minute": 17, "second": 41}
